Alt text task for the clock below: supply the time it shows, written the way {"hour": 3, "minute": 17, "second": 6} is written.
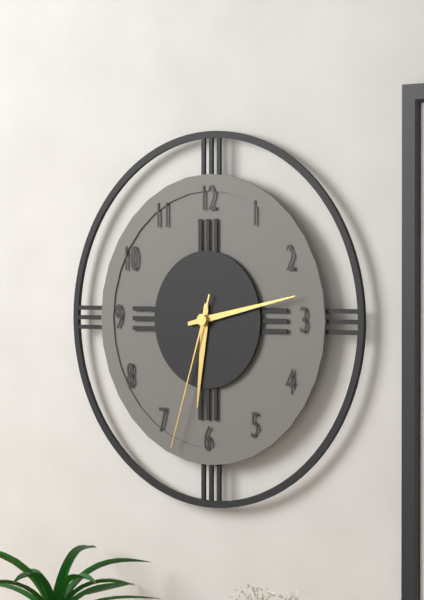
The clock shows {"hour": 6, "minute": 13, "second": 33}
